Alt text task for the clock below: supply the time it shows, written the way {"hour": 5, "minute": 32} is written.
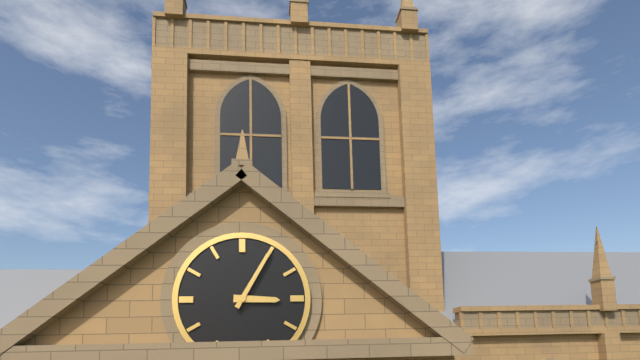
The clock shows {"hour": 3, "minute": 5}
